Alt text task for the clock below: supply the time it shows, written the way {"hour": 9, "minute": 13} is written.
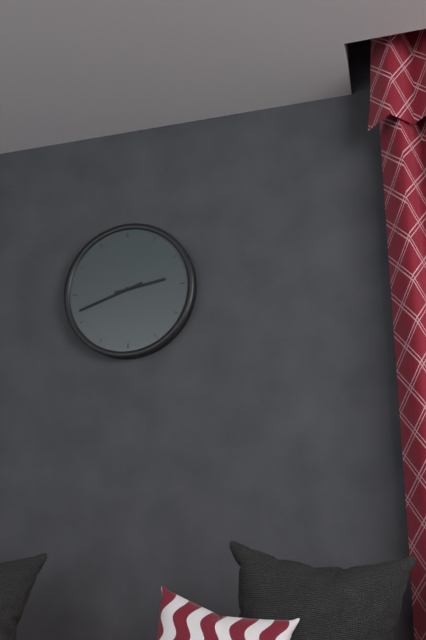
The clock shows {"hour": 2, "minute": 42}
